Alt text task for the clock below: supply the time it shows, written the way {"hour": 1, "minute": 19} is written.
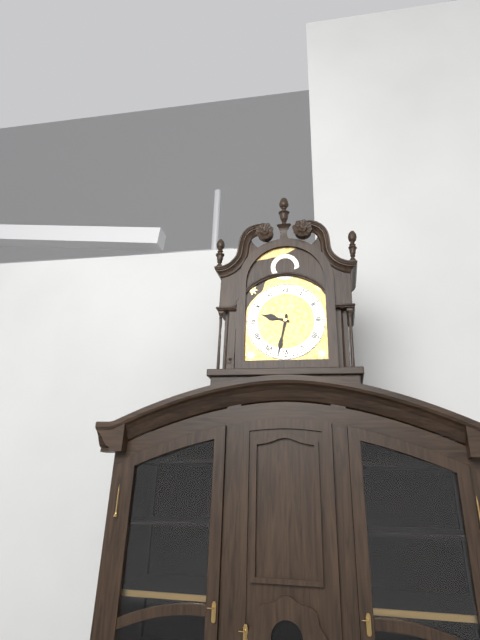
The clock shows {"hour": 9, "minute": 32}
